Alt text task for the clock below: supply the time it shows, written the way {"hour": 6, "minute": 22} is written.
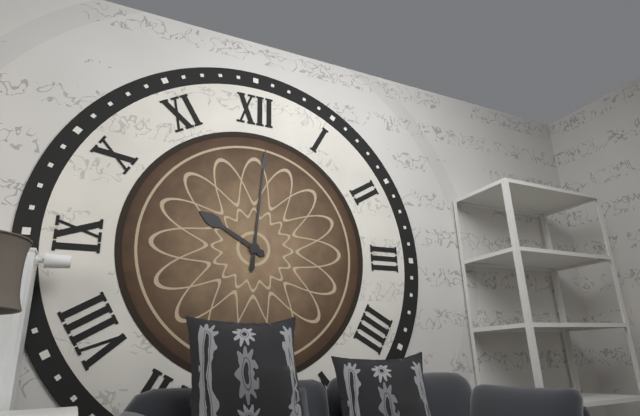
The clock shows {"hour": 10, "minute": 1}
